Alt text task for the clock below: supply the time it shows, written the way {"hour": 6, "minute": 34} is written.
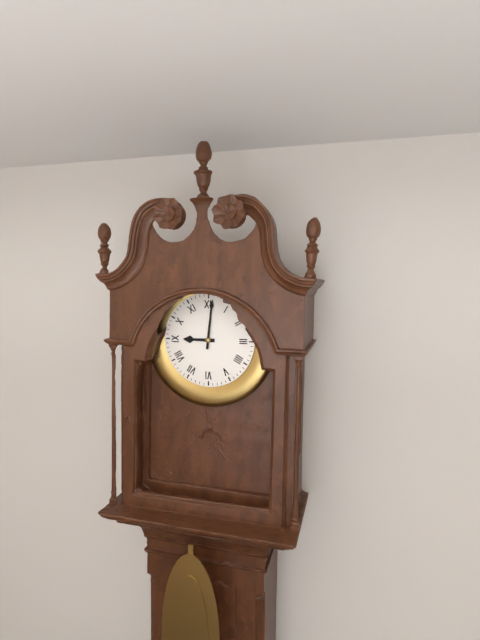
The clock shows {"hour": 9, "minute": 1}
